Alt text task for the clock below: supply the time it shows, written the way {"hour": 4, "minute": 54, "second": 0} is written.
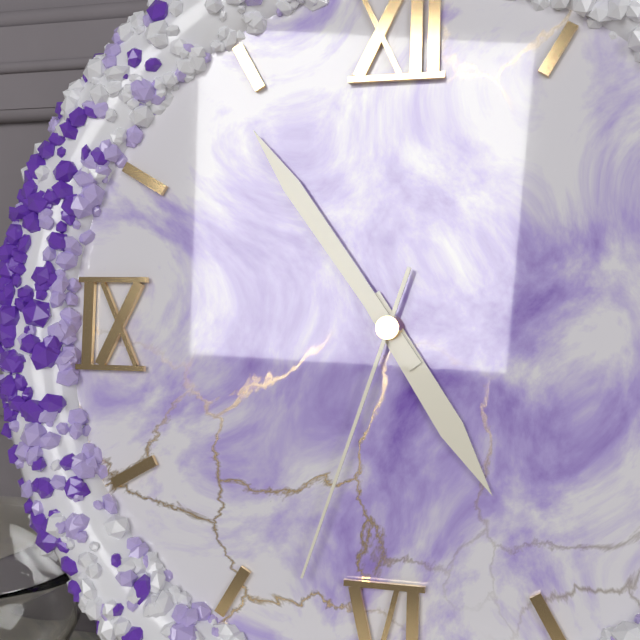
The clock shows {"hour": 4, "minute": 54, "second": 33}
